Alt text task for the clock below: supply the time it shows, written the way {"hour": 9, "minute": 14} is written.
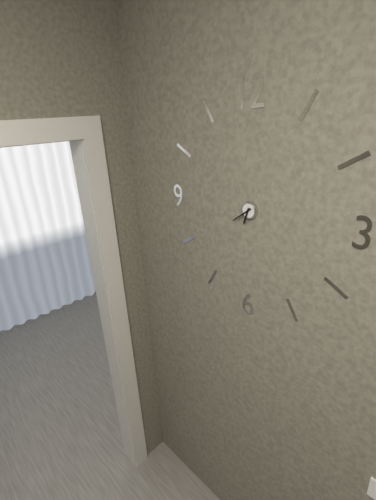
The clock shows {"hour": 6, "minute": 39}
